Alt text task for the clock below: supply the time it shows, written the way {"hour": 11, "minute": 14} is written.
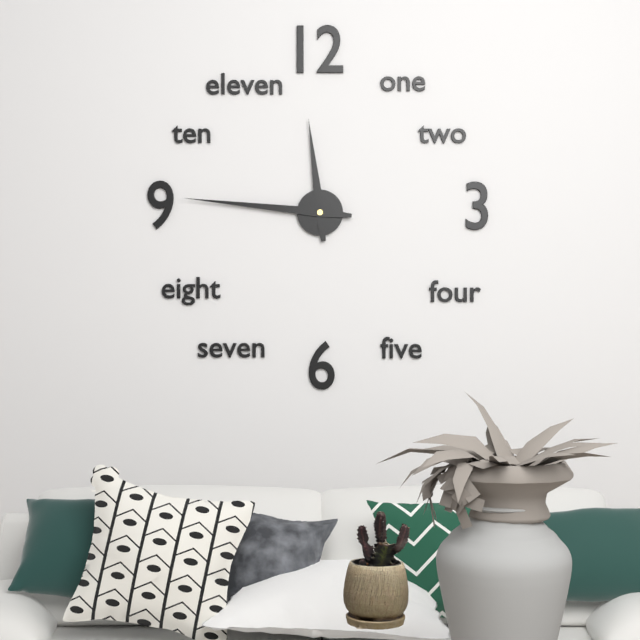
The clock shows {"hour": 11, "minute": 46}
